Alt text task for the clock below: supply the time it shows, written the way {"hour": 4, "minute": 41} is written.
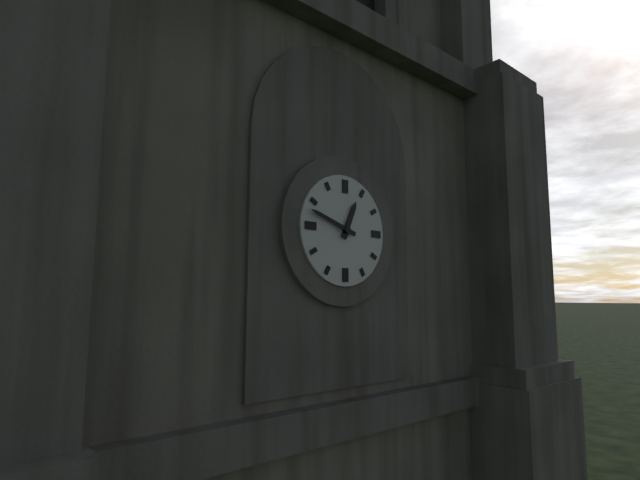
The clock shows {"hour": 12, "minute": 48}
